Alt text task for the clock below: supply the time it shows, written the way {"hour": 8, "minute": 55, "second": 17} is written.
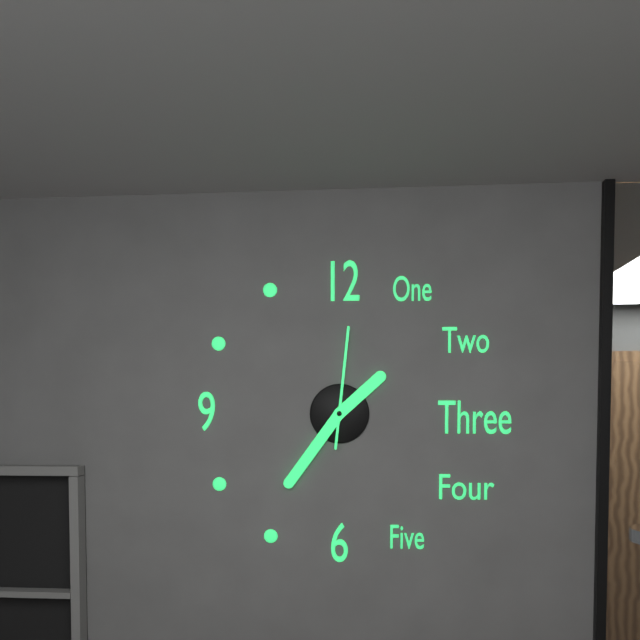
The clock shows {"hour": 1, "minute": 36, "second": 1}
